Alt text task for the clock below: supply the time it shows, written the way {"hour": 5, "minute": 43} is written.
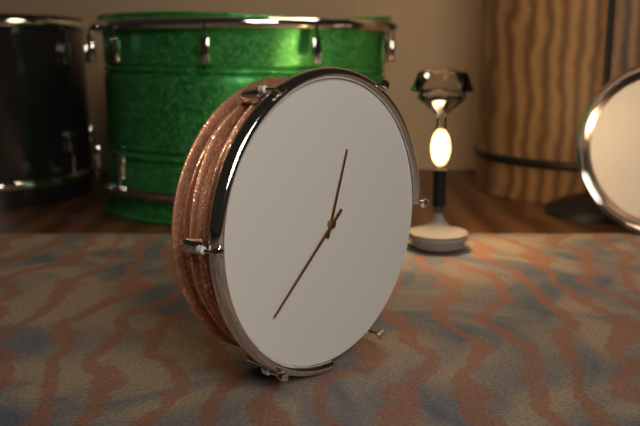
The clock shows {"hour": 12, "minute": 38}
